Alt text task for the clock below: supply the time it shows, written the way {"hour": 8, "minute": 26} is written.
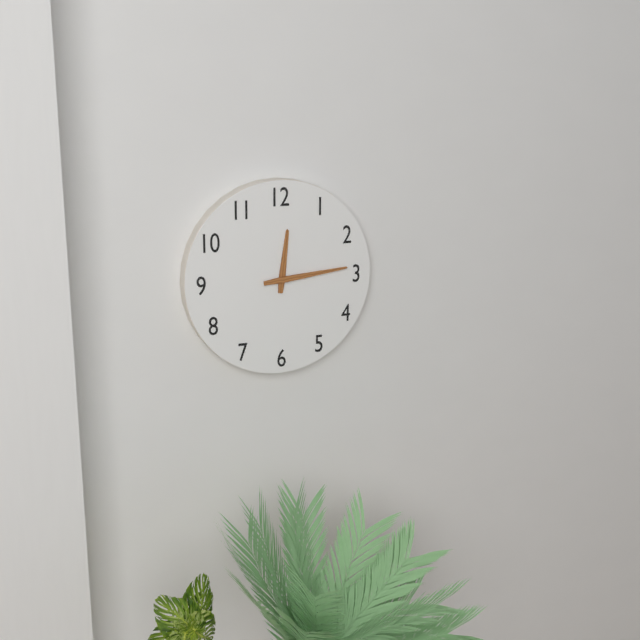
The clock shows {"hour": 12, "minute": 14}
